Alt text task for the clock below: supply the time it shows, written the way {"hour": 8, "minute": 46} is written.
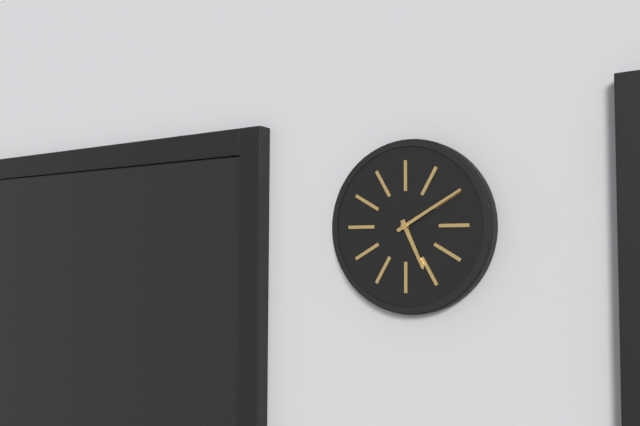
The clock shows {"hour": 5, "minute": 10}
